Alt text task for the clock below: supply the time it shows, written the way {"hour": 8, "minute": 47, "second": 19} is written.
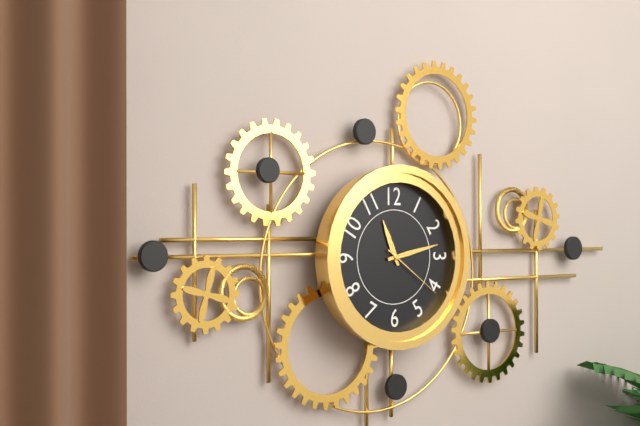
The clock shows {"hour": 11, "minute": 13, "second": 21}
